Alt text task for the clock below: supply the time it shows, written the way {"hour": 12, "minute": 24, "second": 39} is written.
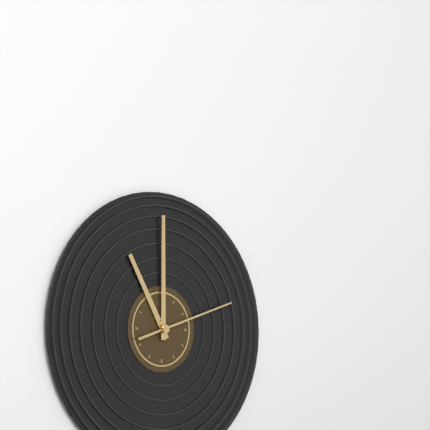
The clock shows {"hour": 11, "minute": 0, "second": 12}
